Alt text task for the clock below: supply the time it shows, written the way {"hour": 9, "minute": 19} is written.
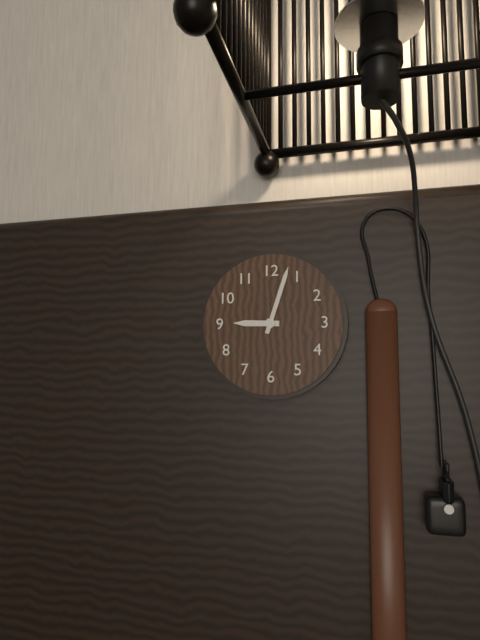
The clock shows {"hour": 9, "minute": 3}
